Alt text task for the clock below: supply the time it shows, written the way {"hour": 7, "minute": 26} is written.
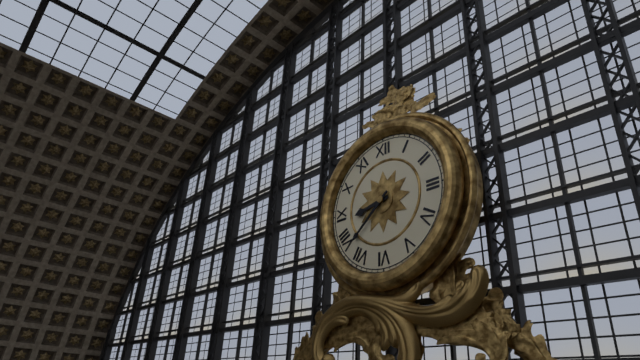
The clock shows {"hour": 8, "minute": 38}
